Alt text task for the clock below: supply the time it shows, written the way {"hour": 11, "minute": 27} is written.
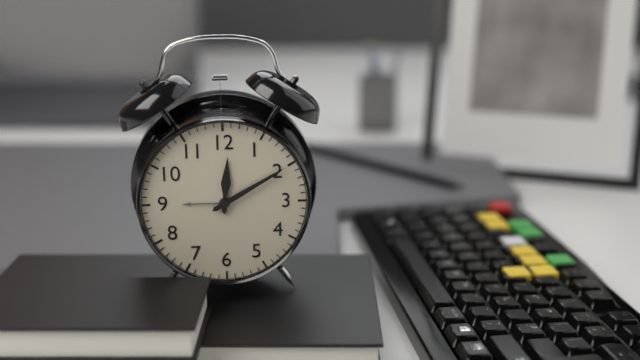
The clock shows {"hour": 12, "minute": 10}
